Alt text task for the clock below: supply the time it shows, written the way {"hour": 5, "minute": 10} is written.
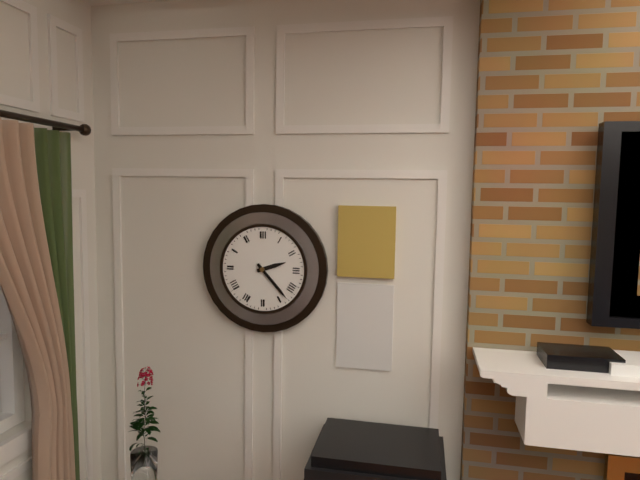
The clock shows {"hour": 2, "minute": 23}
